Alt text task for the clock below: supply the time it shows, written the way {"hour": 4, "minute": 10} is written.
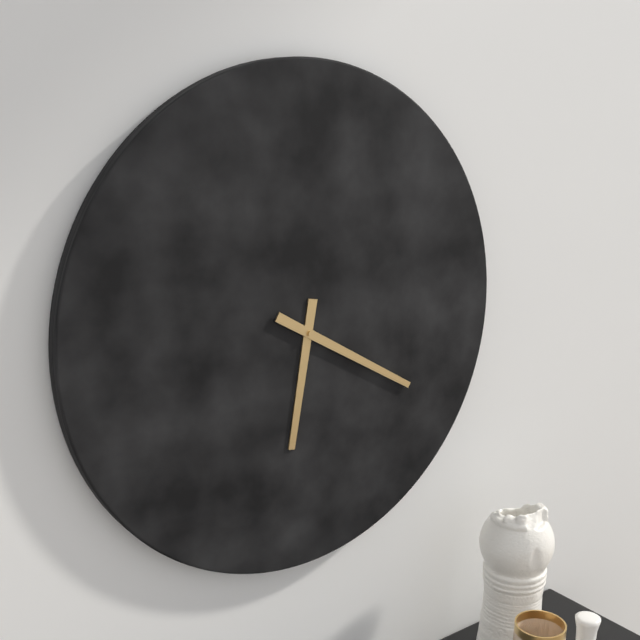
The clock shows {"hour": 6, "minute": 20}
